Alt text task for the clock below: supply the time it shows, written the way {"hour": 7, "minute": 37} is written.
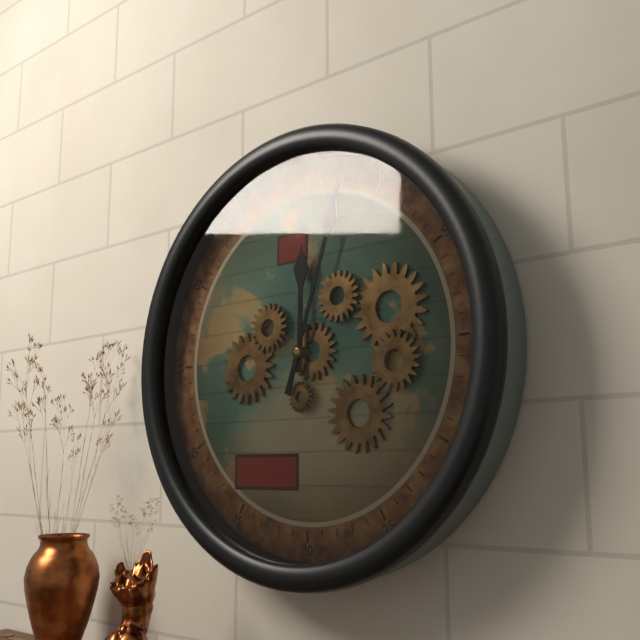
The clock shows {"hour": 12, "minute": 3}
